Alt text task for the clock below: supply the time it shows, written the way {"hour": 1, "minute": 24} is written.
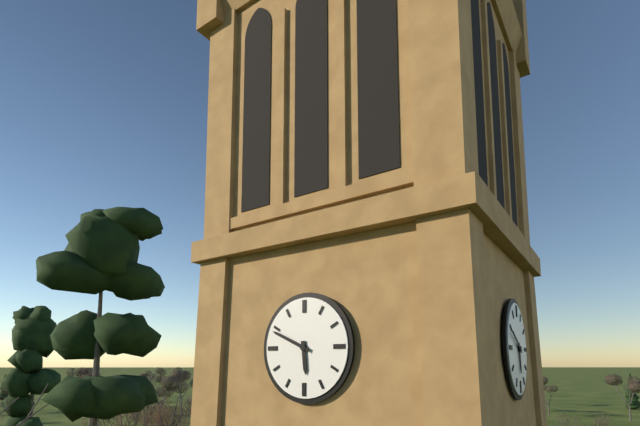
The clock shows {"hour": 5, "minute": 49}
